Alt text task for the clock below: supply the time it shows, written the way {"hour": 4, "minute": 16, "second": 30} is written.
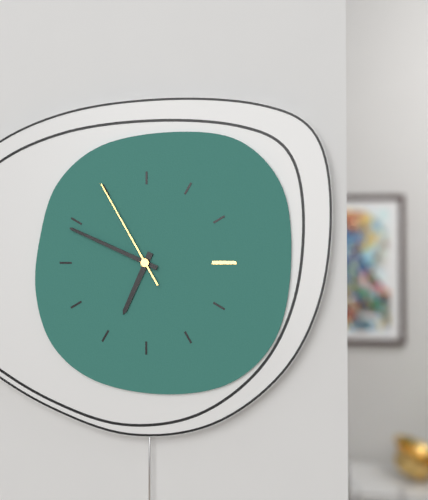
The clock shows {"hour": 6, "minute": 49, "second": 55}
